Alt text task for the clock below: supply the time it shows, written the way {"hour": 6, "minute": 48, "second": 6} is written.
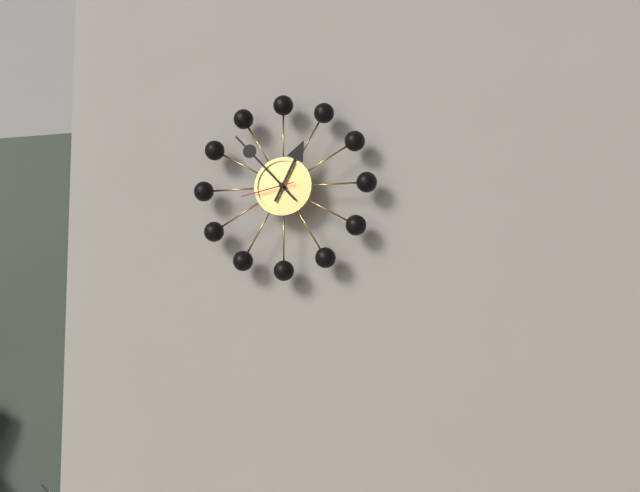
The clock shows {"hour": 12, "minute": 53, "second": 43}
